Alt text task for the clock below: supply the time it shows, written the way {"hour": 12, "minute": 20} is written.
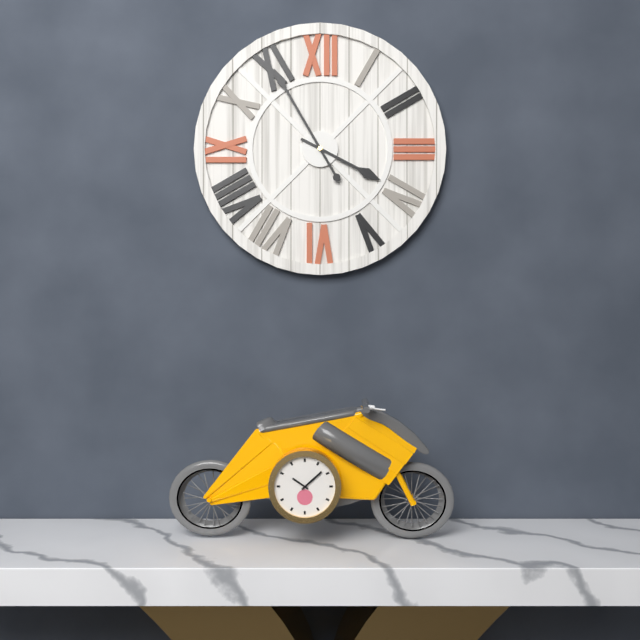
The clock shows {"hour": 3, "minute": 55}
